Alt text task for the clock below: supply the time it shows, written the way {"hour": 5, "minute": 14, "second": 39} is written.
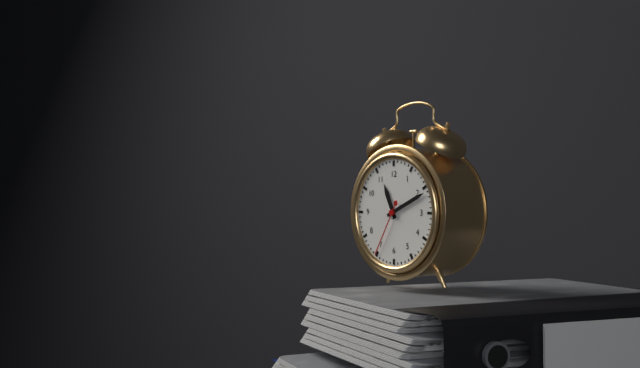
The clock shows {"hour": 11, "minute": 11, "second": 35}
